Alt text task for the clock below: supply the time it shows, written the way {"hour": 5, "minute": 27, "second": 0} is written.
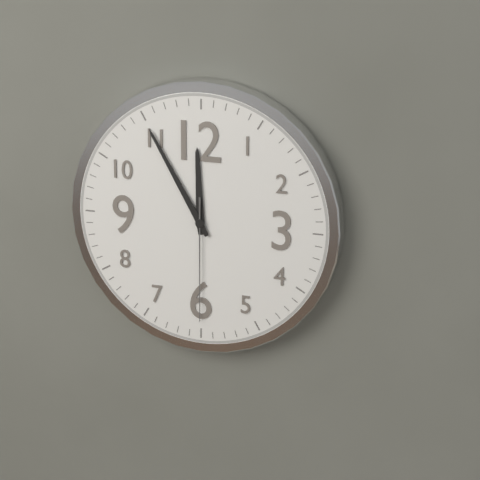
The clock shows {"hour": 11, "minute": 55, "second": 30}
